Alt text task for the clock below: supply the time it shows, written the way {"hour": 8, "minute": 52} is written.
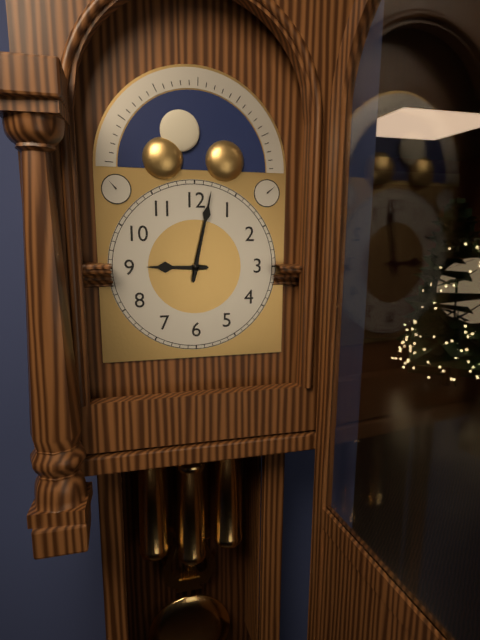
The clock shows {"hour": 9, "minute": 2}
